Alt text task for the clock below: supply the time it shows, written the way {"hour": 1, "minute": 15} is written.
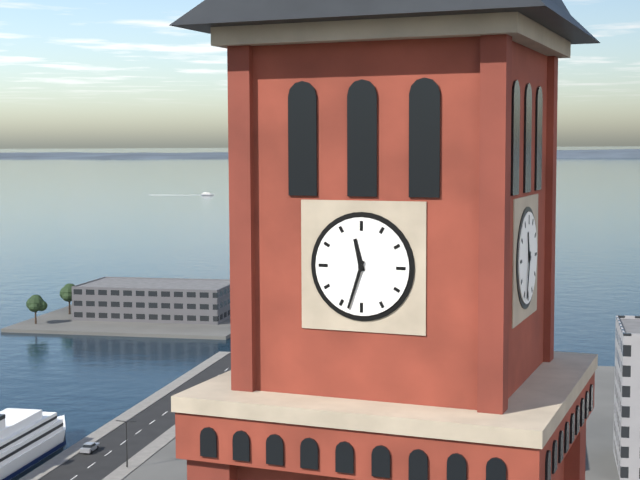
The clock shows {"hour": 11, "minute": 33}
